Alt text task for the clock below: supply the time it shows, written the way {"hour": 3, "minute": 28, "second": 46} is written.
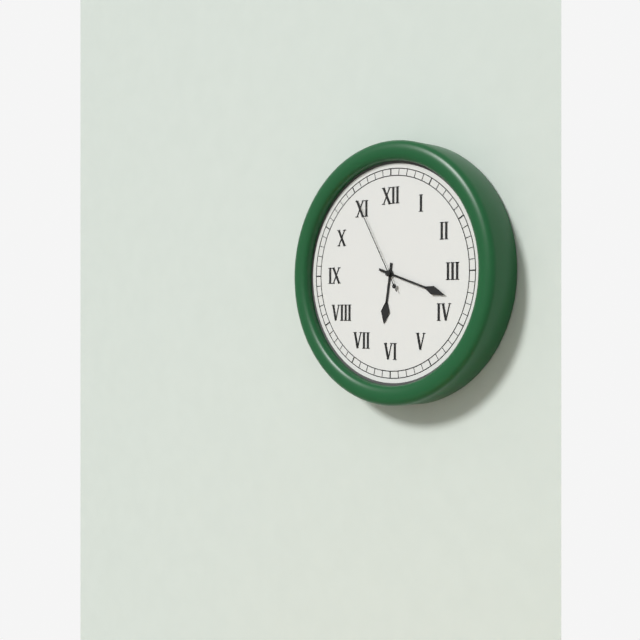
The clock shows {"hour": 6, "minute": 18, "second": 55}
